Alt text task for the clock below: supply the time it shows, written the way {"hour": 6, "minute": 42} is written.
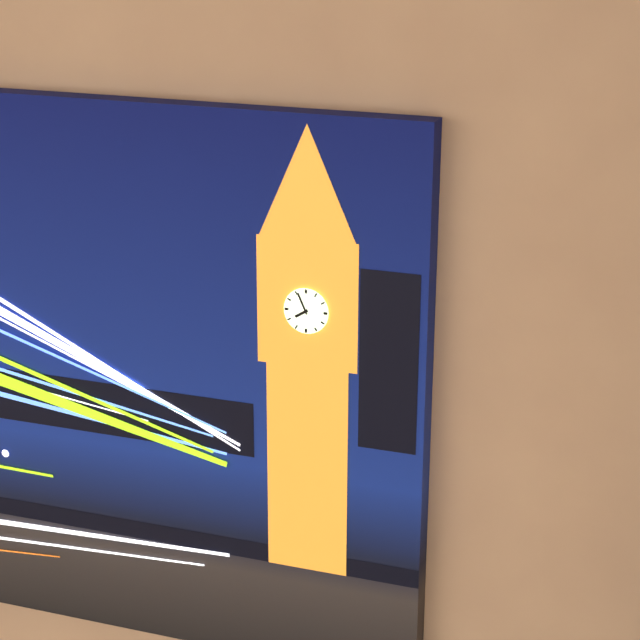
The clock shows {"hour": 7, "minute": 56}
